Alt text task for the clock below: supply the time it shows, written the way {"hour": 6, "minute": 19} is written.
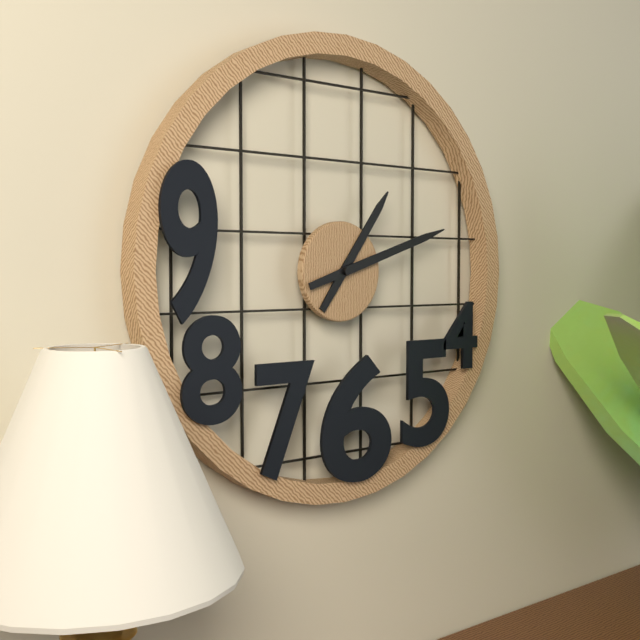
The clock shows {"hour": 1, "minute": 12}
